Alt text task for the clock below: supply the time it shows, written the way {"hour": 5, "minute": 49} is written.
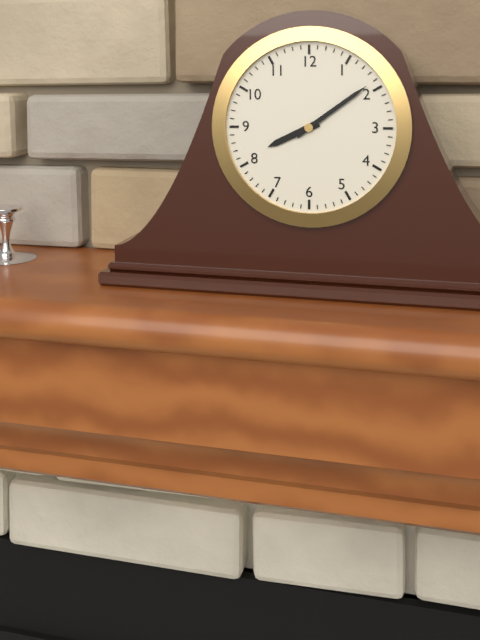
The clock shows {"hour": 8, "minute": 9}
